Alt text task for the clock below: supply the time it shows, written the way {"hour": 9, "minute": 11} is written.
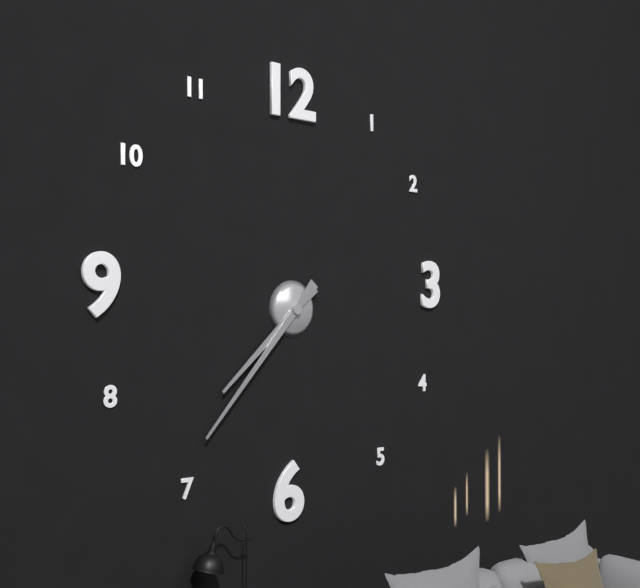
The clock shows {"hour": 7, "minute": 37}
